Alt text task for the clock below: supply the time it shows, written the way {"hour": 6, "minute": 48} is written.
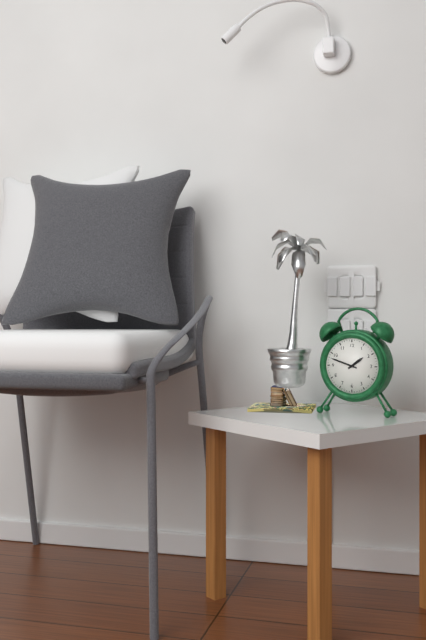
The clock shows {"hour": 1, "minute": 48}
